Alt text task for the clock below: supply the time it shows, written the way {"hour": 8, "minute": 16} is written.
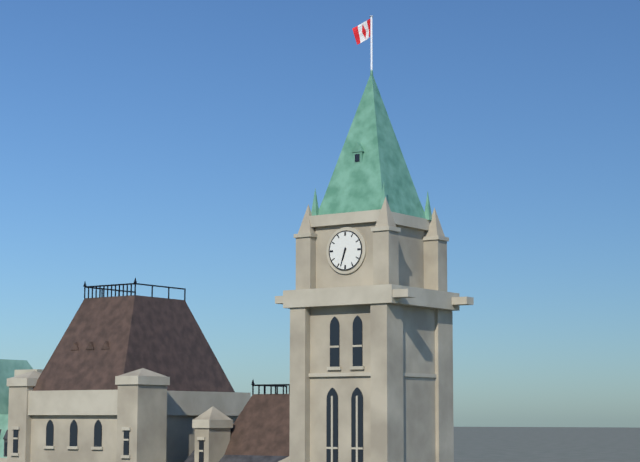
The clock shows {"hour": 6, "minute": 33}
